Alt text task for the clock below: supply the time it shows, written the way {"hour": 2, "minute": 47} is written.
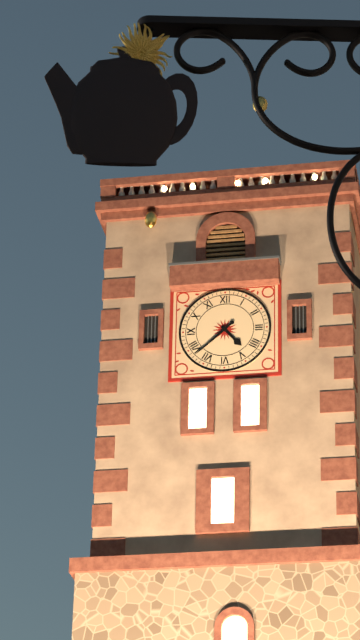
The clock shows {"hour": 4, "minute": 38}
